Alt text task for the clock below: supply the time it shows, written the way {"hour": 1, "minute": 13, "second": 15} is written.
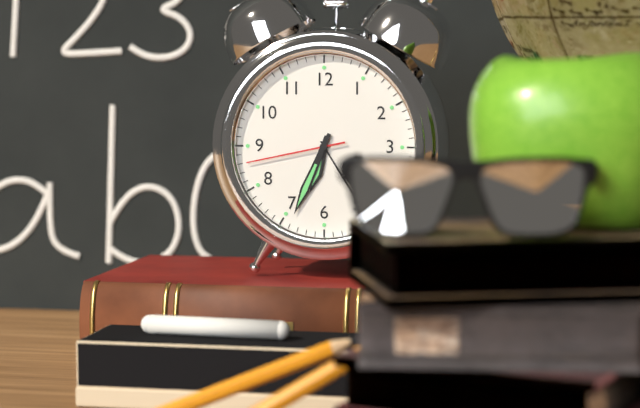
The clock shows {"hour": 6, "minute": 34, "second": 43}
